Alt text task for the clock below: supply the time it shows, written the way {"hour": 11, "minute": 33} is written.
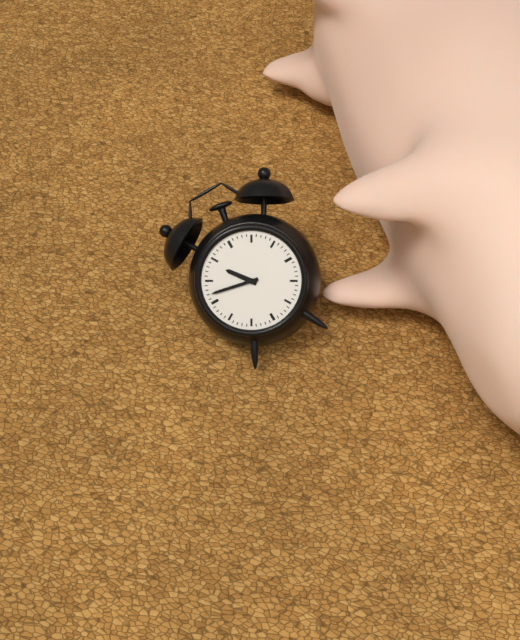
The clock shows {"hour": 10, "minute": 47}
